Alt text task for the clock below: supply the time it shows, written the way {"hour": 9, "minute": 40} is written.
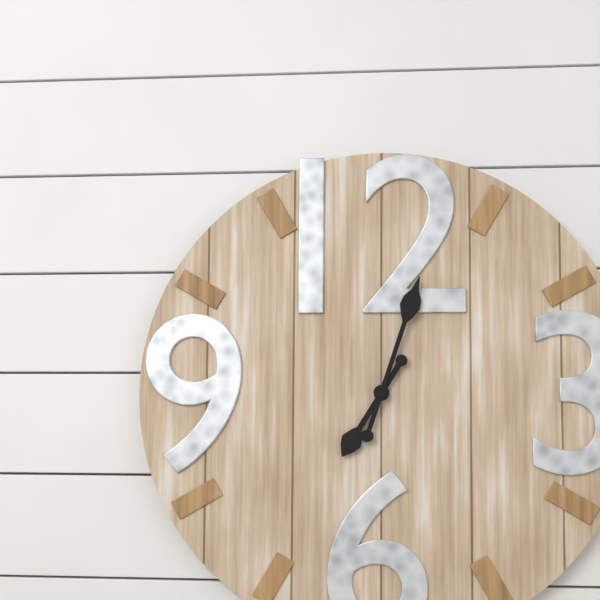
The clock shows {"hour": 7, "minute": 3}
